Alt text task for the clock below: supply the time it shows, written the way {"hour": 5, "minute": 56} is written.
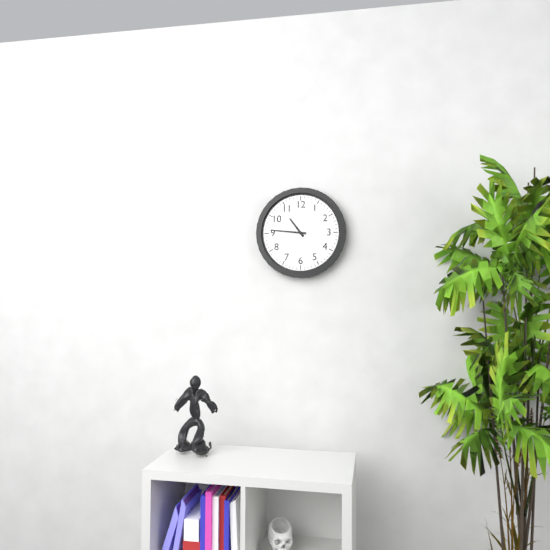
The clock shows {"hour": 10, "minute": 46}
